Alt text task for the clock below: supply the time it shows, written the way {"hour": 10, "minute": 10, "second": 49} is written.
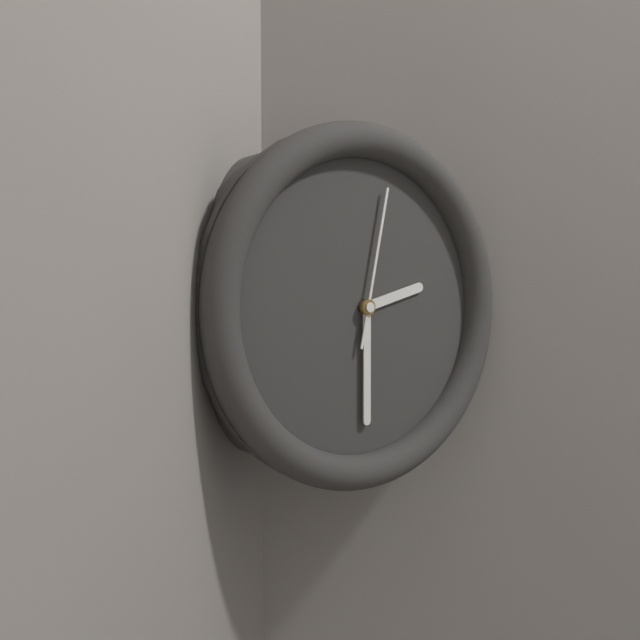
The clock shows {"hour": 2, "minute": 30, "second": 2}
